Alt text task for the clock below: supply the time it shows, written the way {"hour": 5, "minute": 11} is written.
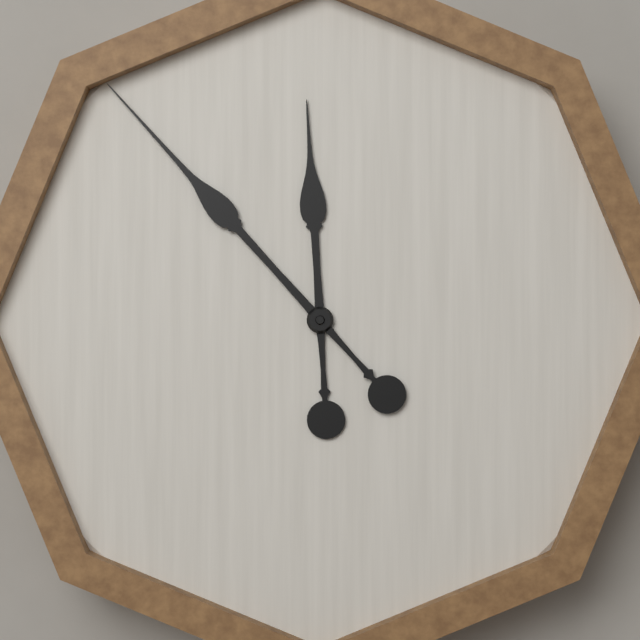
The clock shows {"hour": 11, "minute": 53}
